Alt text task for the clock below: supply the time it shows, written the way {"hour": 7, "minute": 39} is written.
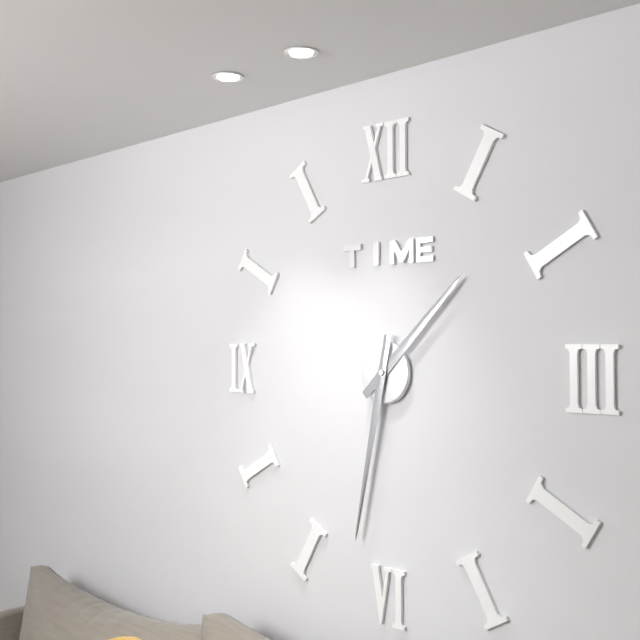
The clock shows {"hour": 1, "minute": 32}
